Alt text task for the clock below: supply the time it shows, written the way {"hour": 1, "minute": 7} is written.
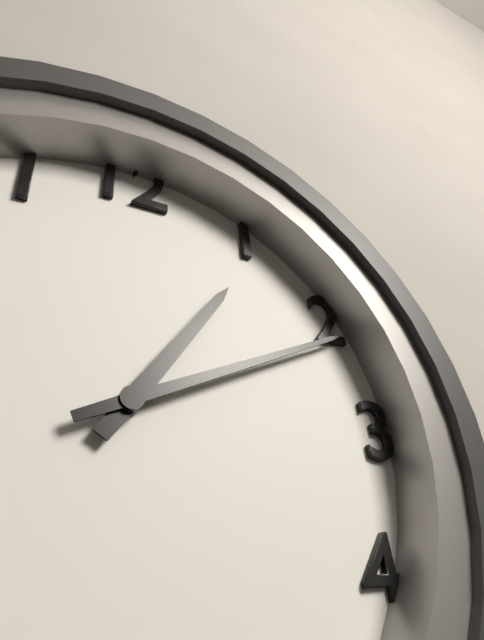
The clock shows {"hour": 1, "minute": 11}
